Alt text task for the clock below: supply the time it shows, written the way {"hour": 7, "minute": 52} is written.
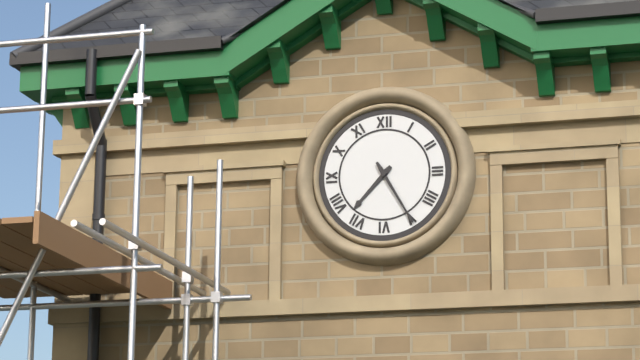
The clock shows {"hour": 7, "minute": 25}
